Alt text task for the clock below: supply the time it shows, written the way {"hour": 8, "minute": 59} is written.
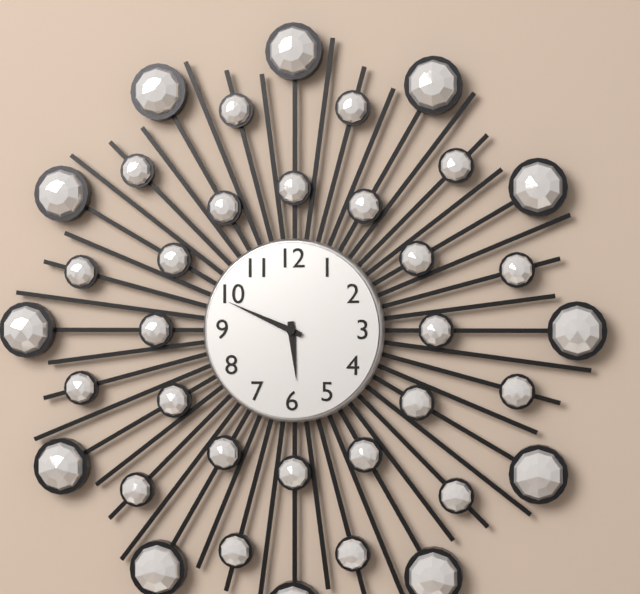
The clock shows {"hour": 5, "minute": 49}
